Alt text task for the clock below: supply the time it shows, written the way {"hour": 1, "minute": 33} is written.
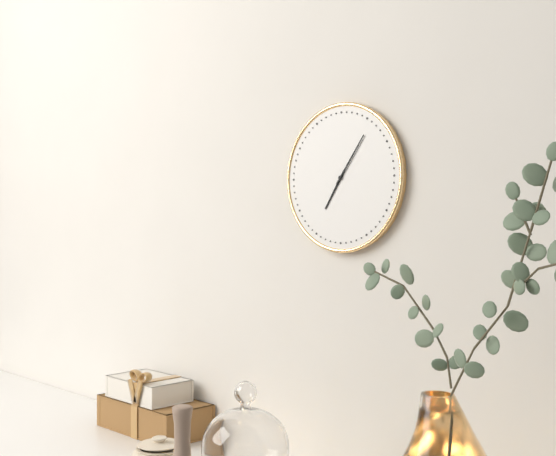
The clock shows {"hour": 7, "minute": 6}
